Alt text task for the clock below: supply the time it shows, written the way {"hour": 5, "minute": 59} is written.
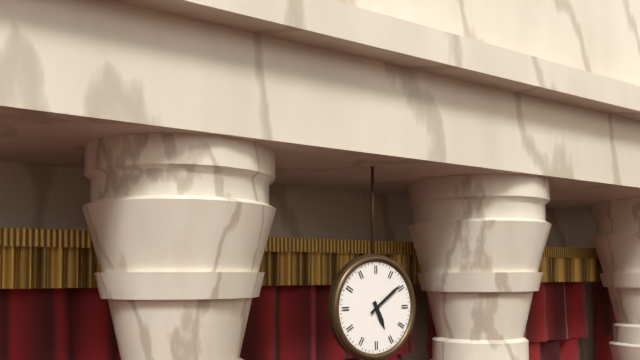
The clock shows {"hour": 5, "minute": 9}
